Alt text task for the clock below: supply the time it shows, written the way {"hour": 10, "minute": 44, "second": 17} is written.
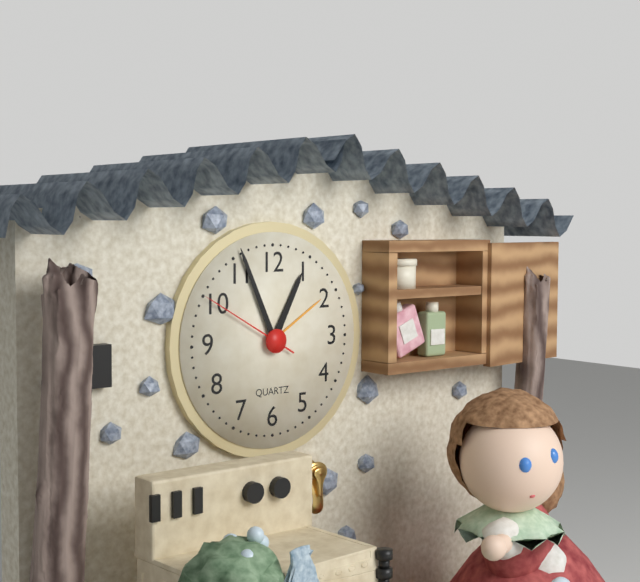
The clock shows {"hour": 12, "minute": 56, "second": 50}
